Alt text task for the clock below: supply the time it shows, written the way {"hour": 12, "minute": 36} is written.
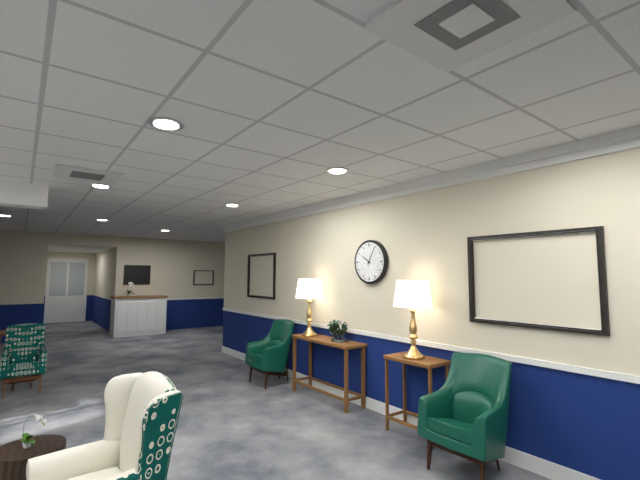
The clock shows {"hour": 10, "minute": 5}
